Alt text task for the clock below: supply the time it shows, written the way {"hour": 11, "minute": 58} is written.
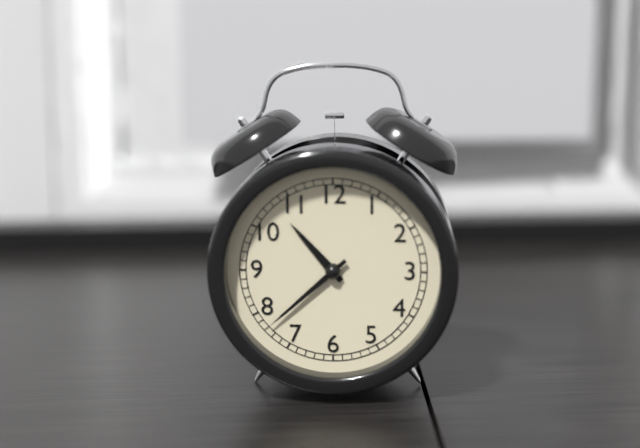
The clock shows {"hour": 10, "minute": 38}
